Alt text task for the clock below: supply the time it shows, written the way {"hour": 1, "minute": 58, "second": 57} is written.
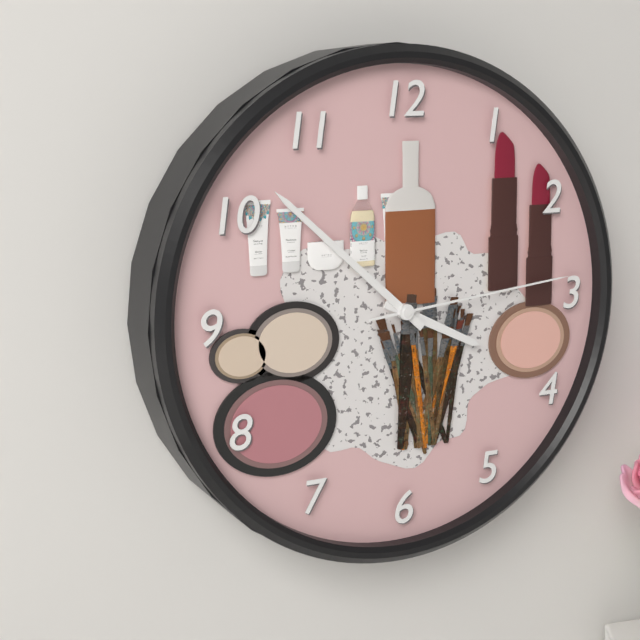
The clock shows {"hour": 3, "minute": 52, "second": 14}
